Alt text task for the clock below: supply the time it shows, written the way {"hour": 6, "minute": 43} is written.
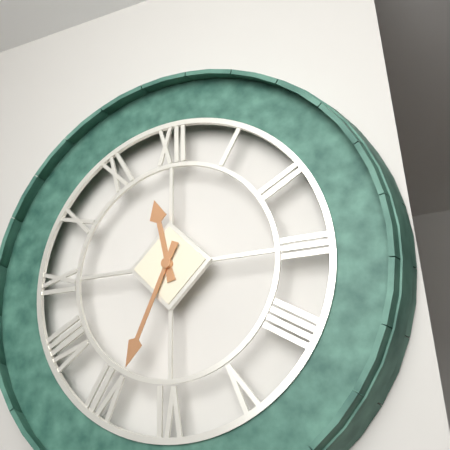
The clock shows {"hour": 11, "minute": 34}
